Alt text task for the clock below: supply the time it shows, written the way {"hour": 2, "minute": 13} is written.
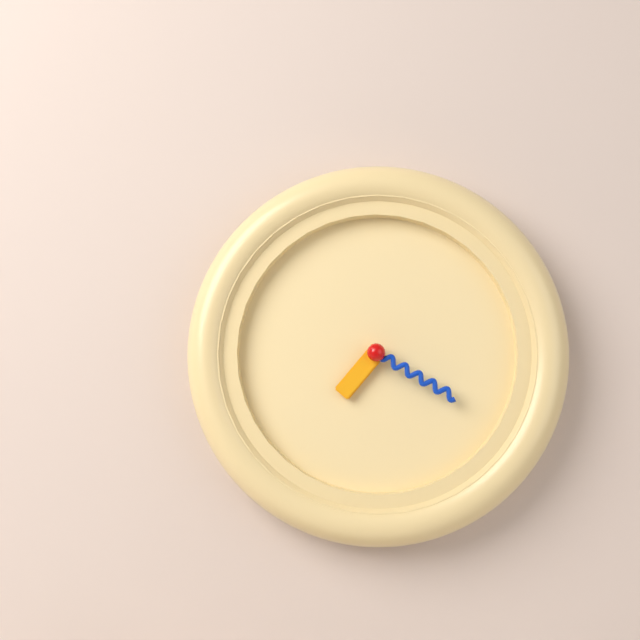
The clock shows {"hour": 7, "minute": 20}
